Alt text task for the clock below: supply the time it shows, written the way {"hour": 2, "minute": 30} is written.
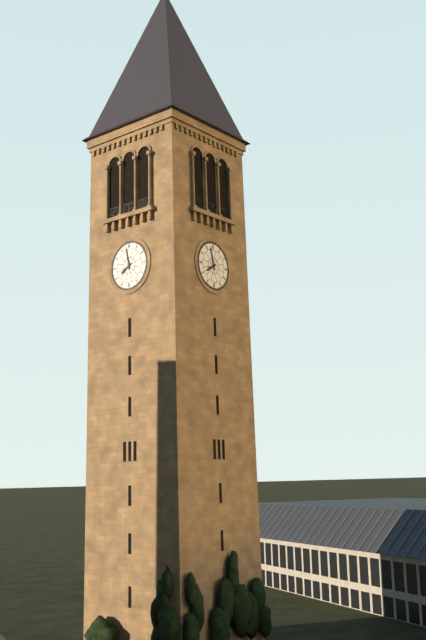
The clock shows {"hour": 7, "minute": 58}
